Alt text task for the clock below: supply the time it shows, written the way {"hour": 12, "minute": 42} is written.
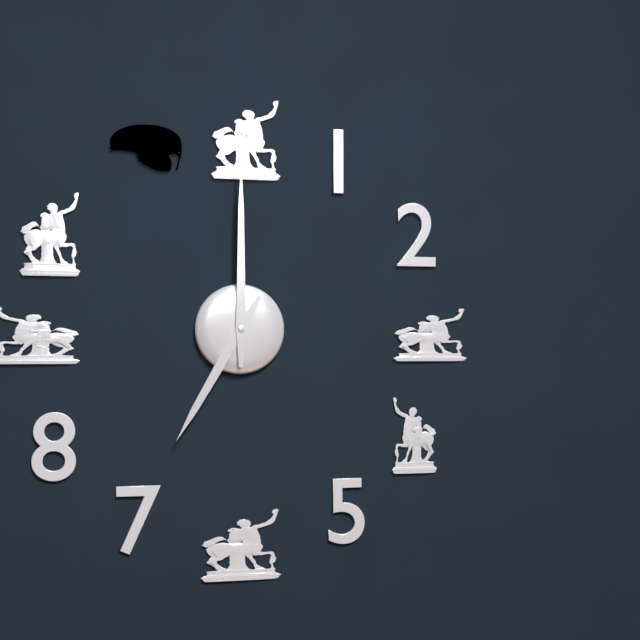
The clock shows {"hour": 7, "minute": 0}
